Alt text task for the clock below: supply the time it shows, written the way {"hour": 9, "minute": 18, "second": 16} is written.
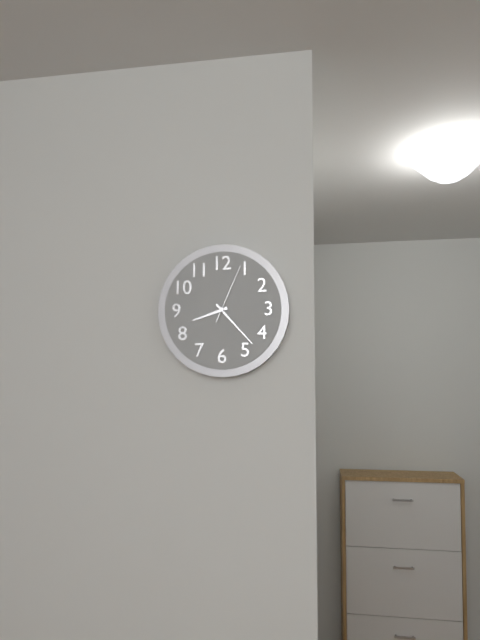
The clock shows {"hour": 8, "minute": 23, "second": 4}
